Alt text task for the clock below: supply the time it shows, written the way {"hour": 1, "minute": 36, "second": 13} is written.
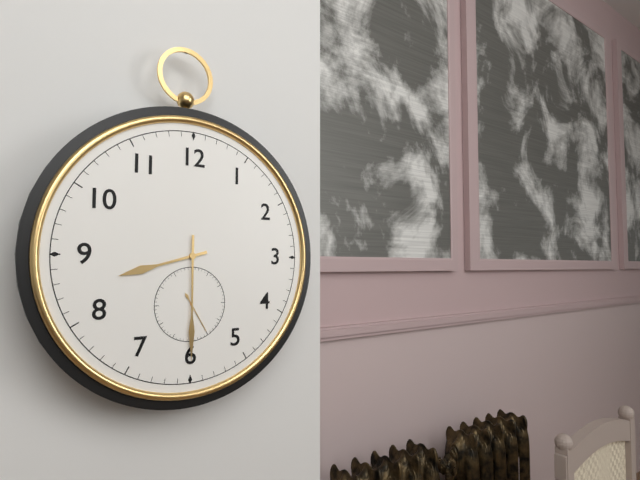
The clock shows {"hour": 8, "minute": 30, "second": 25}
